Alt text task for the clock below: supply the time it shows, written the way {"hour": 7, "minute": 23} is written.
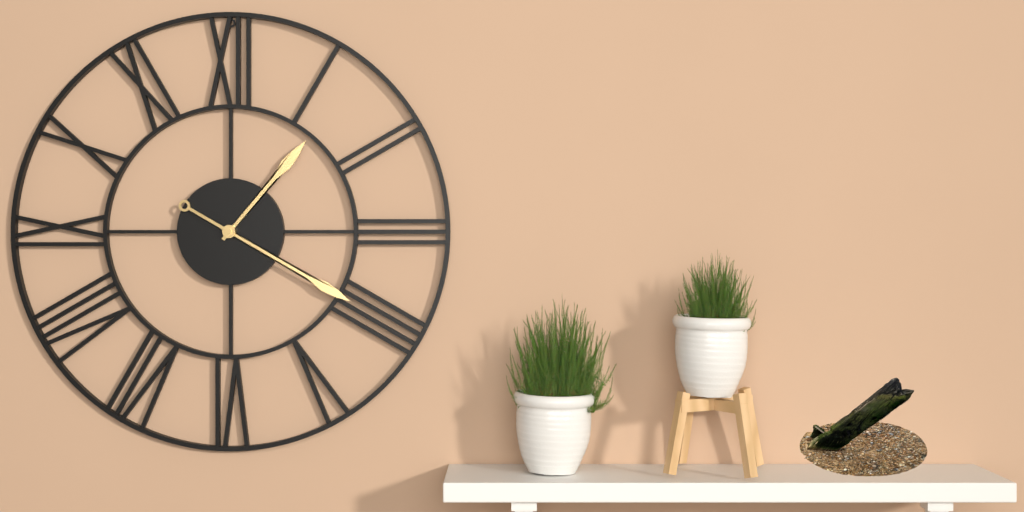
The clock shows {"hour": 1, "minute": 20}
